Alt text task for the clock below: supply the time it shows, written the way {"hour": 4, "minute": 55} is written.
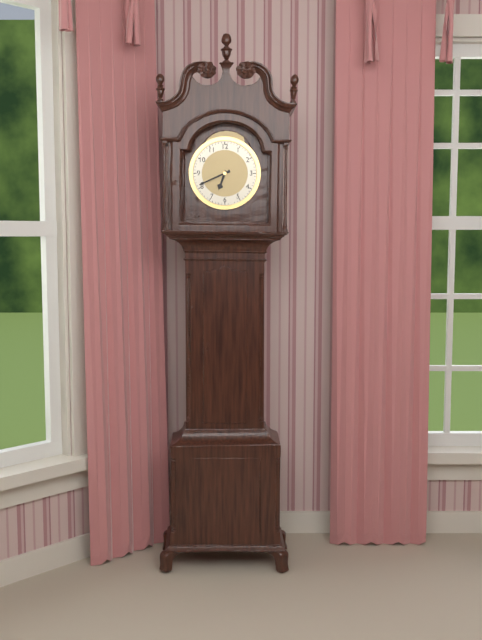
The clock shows {"hour": 6, "minute": 41}
